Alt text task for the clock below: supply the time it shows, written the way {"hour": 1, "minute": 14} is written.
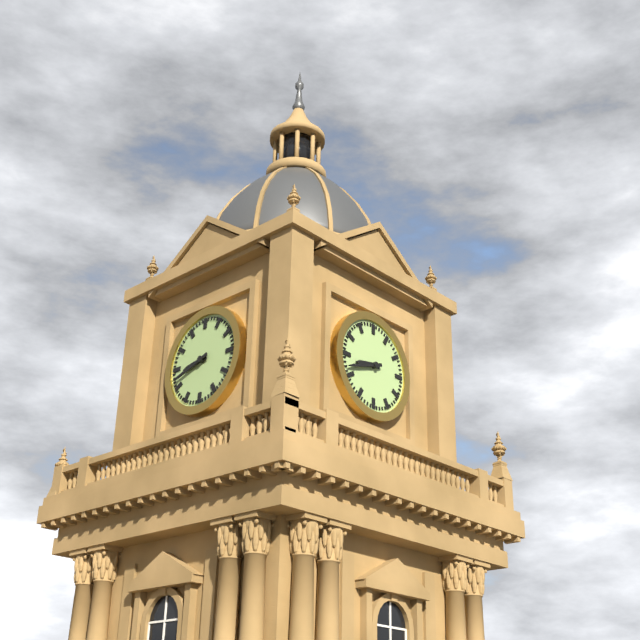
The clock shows {"hour": 8, "minute": 42}
